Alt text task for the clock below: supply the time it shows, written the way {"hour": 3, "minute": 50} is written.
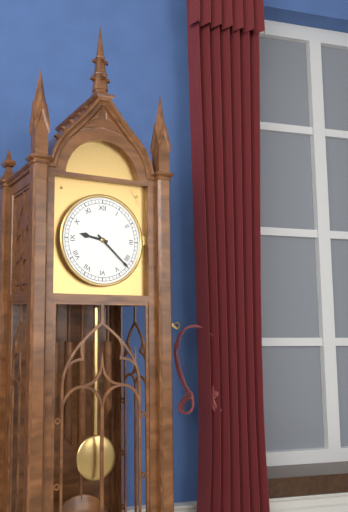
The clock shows {"hour": 9, "minute": 22}
